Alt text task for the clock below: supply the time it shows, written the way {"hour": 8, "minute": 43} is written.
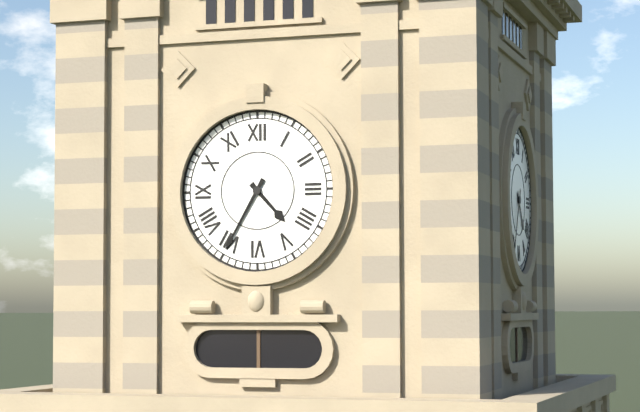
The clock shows {"hour": 4, "minute": 35}
